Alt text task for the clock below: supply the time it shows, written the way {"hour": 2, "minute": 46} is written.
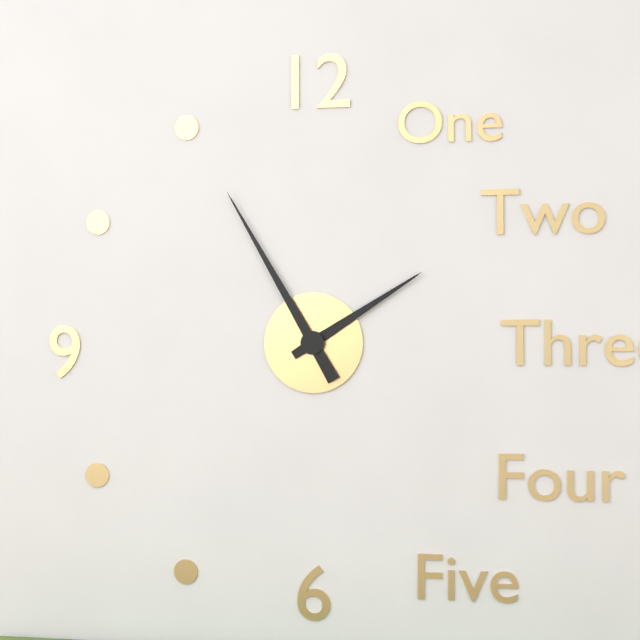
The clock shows {"hour": 1, "minute": 55}
